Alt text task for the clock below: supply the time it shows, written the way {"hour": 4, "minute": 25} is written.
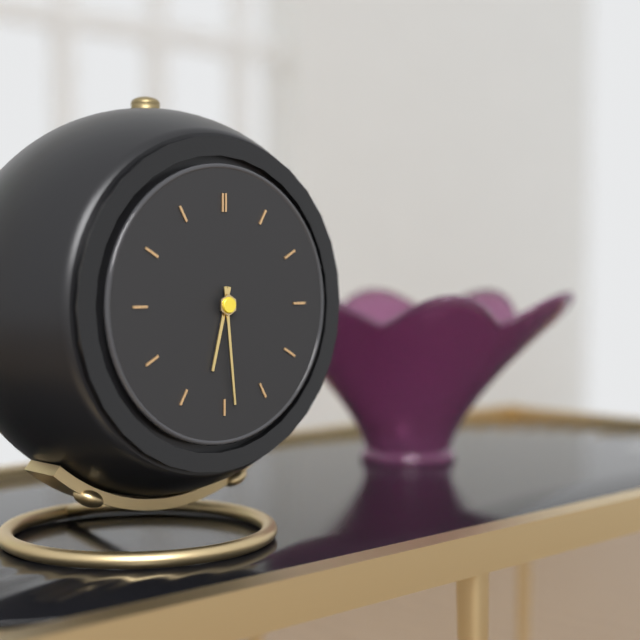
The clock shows {"hour": 6, "minute": 29}
